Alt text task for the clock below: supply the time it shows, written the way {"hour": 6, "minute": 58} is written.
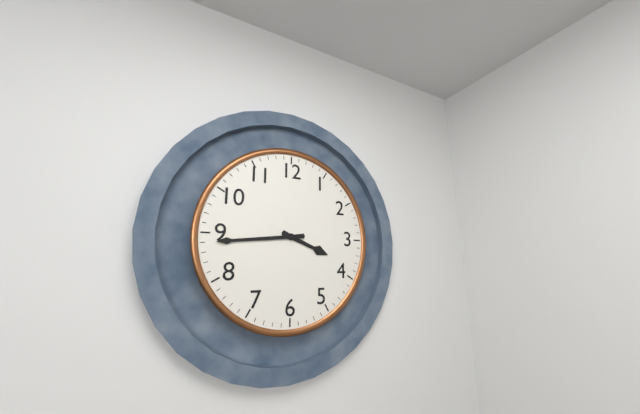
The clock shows {"hour": 3, "minute": 44}
